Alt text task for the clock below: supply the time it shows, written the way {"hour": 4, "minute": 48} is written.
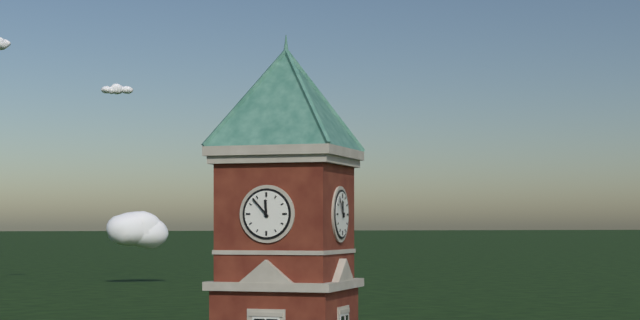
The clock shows {"hour": 11, "minute": 53}
